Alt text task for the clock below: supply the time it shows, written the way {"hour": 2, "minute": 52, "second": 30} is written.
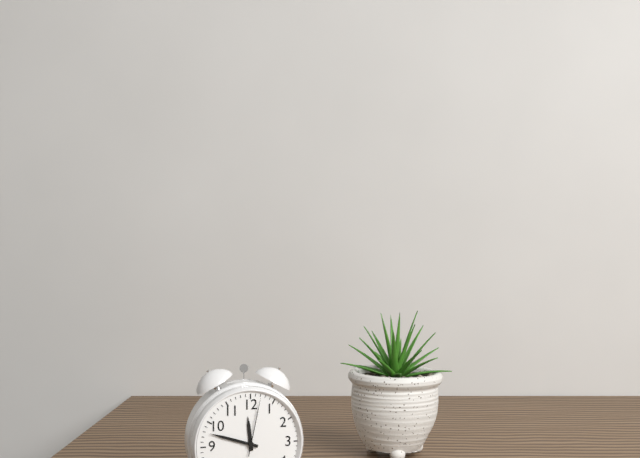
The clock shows {"hour": 11, "minute": 48, "second": 2}
